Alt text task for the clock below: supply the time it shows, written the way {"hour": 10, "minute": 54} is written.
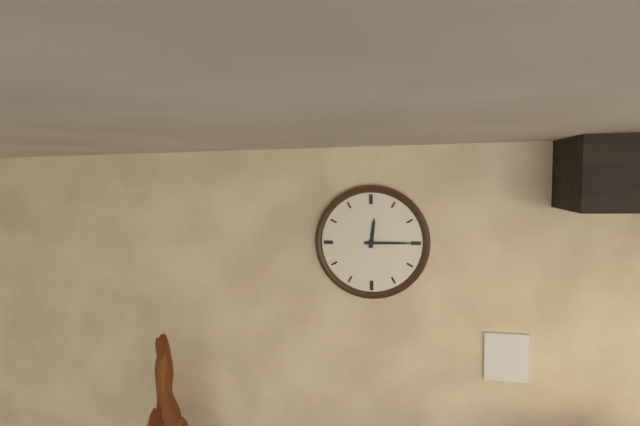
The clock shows {"hour": 12, "minute": 15}
